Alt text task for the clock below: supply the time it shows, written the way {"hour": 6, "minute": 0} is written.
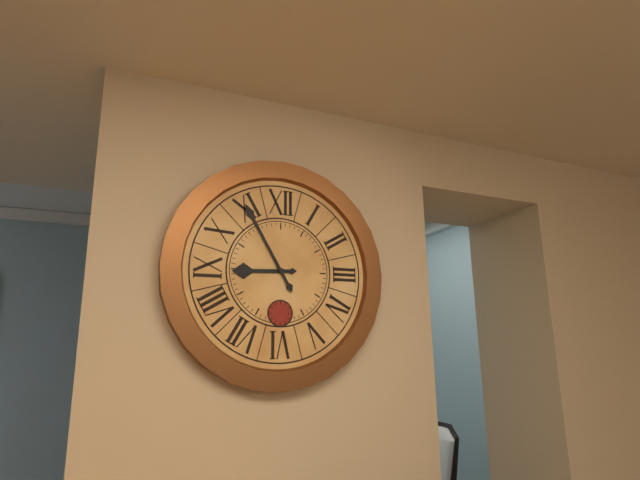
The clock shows {"hour": 8, "minute": 55}
